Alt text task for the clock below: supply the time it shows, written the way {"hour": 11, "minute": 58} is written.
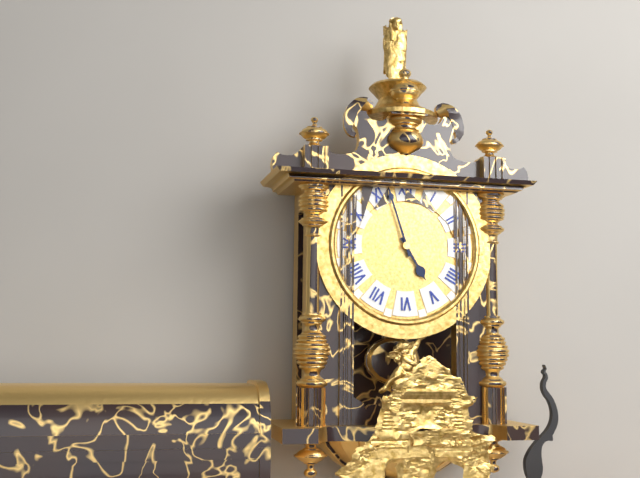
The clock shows {"hour": 4, "minute": 57}
